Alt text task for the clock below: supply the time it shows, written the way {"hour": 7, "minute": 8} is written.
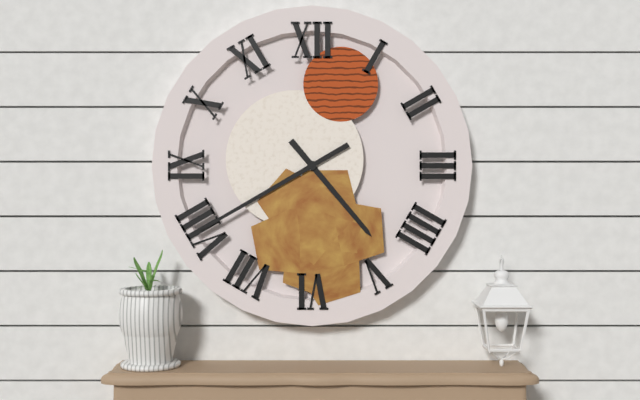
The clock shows {"hour": 4, "minute": 40}
